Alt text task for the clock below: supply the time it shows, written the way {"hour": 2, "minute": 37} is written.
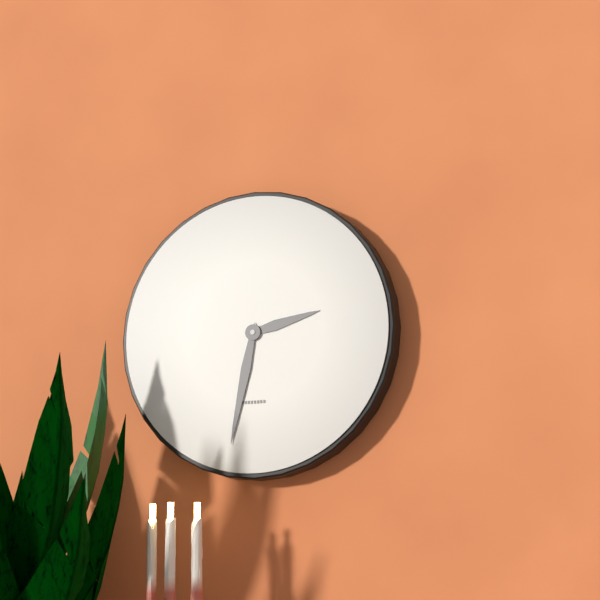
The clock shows {"hour": 2, "minute": 32}
